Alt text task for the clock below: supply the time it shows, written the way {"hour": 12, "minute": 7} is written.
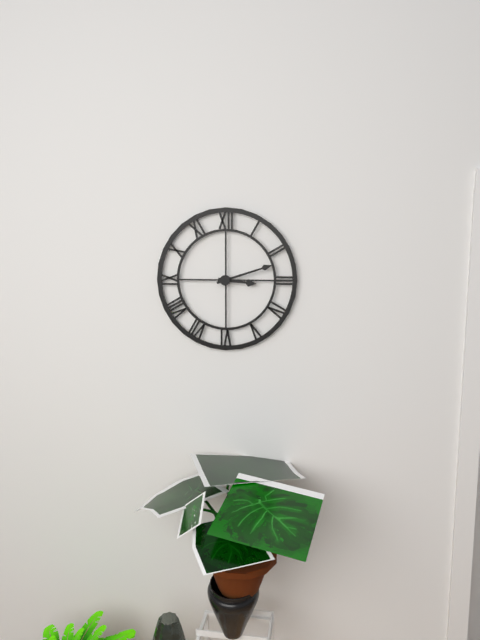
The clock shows {"hour": 3, "minute": 12}
